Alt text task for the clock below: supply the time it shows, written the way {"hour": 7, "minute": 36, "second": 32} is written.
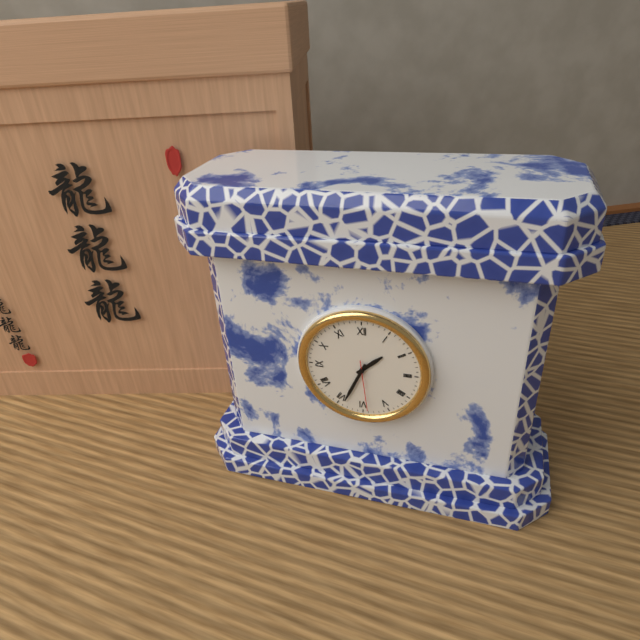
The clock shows {"hour": 1, "minute": 34, "second": 29}
